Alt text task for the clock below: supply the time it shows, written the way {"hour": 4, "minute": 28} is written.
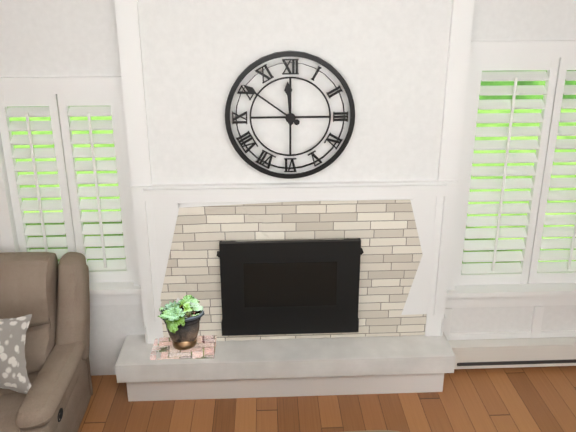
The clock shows {"hour": 11, "minute": 51}
